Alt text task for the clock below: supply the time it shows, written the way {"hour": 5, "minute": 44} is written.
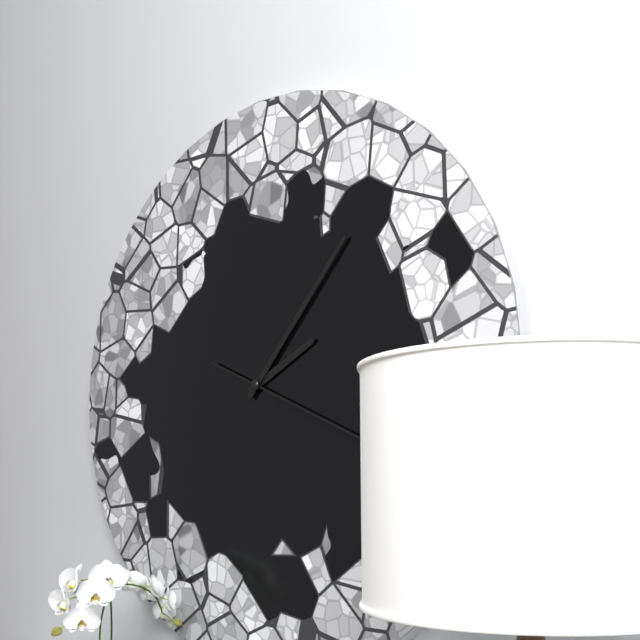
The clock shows {"hour": 2, "minute": 7}
